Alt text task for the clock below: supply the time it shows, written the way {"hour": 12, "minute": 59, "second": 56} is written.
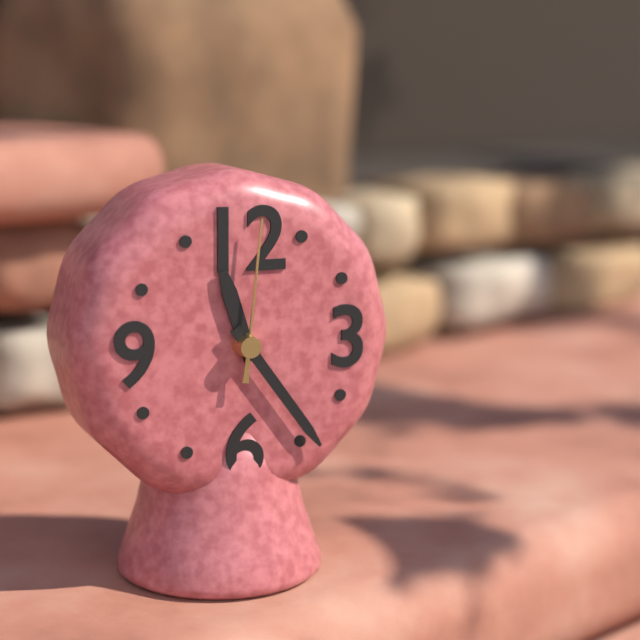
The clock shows {"hour": 11, "minute": 24, "second": 1}
